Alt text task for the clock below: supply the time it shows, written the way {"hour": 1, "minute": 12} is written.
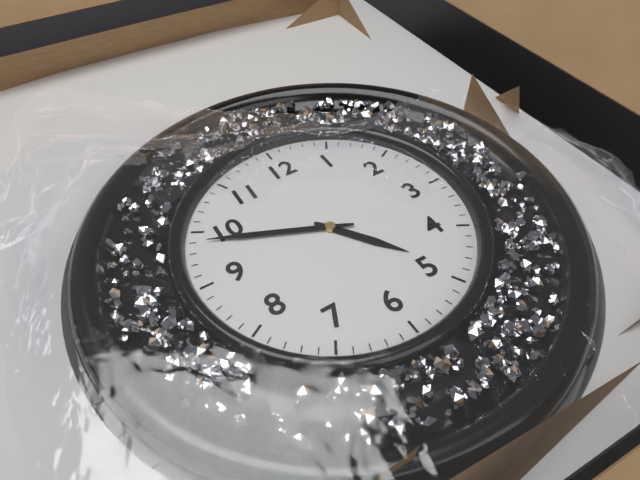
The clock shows {"hour": 4, "minute": 49}
